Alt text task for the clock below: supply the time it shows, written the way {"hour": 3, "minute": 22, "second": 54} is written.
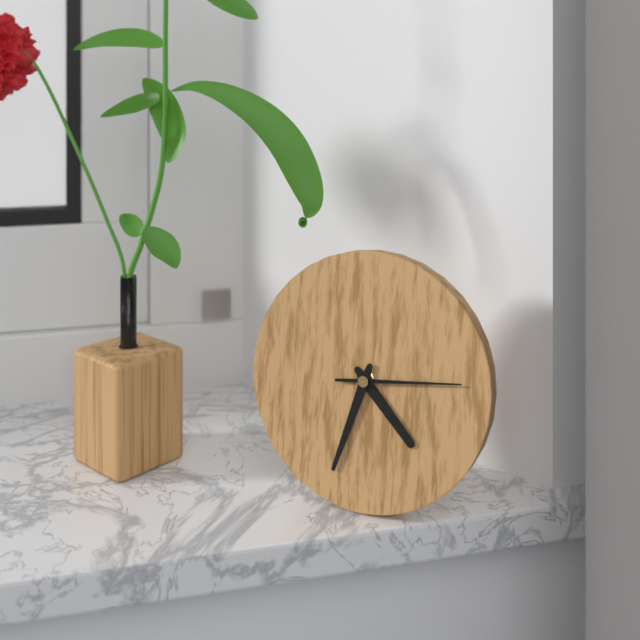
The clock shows {"hour": 4, "minute": 33, "second": 14}
